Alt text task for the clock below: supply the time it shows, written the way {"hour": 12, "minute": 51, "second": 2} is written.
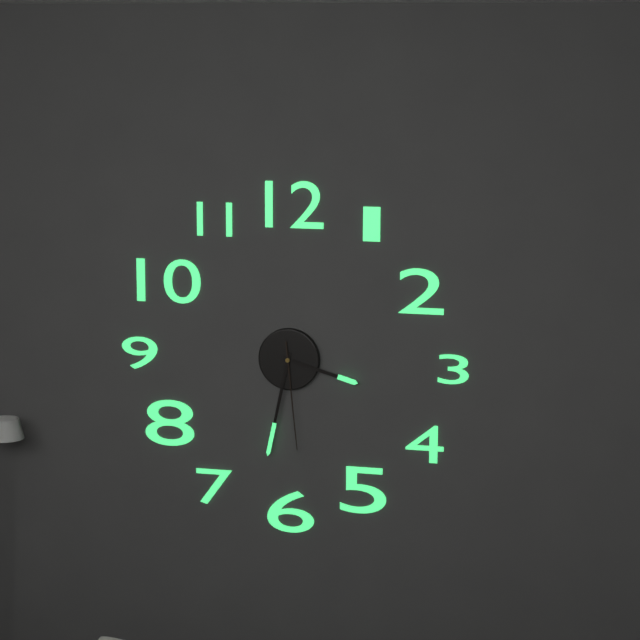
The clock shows {"hour": 3, "minute": 32, "second": 29}
